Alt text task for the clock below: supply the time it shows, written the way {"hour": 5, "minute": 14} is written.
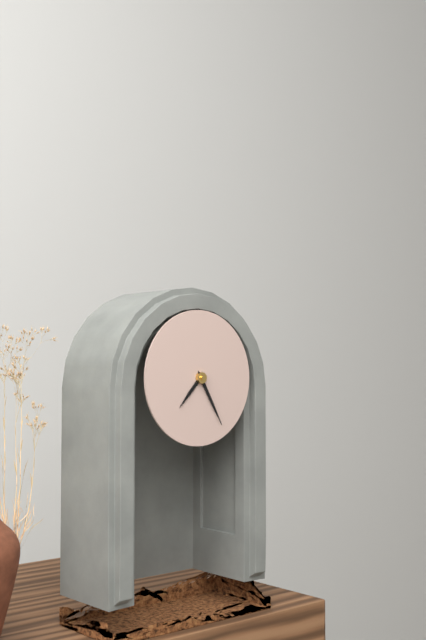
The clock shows {"hour": 7, "minute": 25}
